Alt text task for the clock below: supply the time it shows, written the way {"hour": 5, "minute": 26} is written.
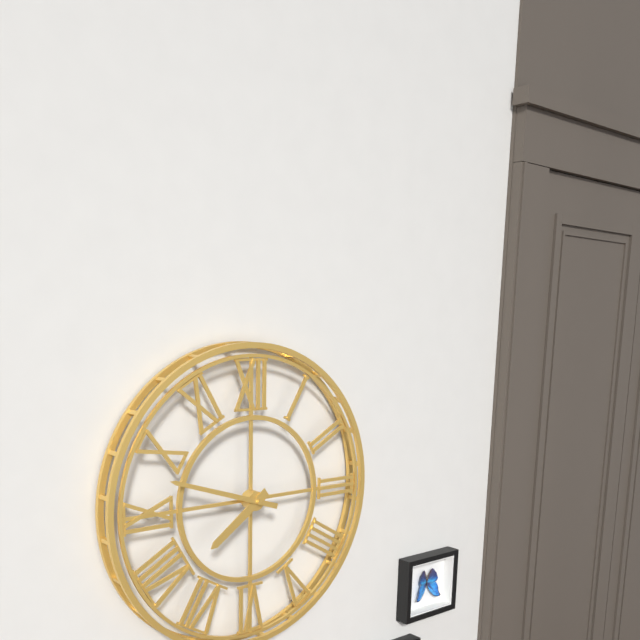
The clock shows {"hour": 7, "minute": 48}
